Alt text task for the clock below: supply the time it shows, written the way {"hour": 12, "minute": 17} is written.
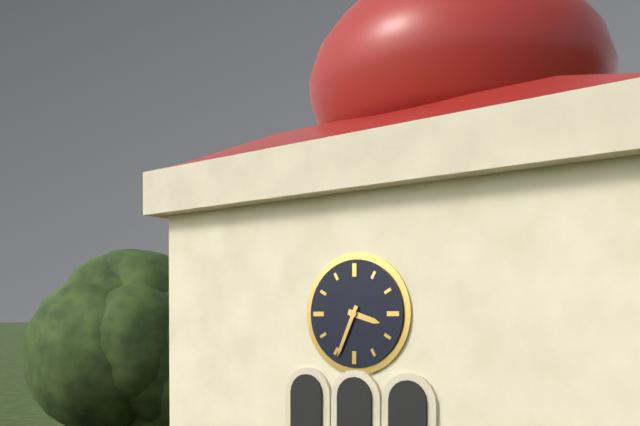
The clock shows {"hour": 3, "minute": 34}
